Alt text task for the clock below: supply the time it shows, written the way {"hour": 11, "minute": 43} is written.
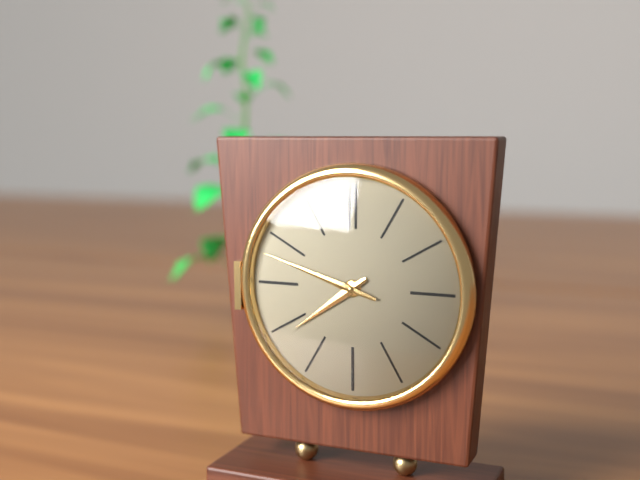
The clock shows {"hour": 7, "minute": 48}
